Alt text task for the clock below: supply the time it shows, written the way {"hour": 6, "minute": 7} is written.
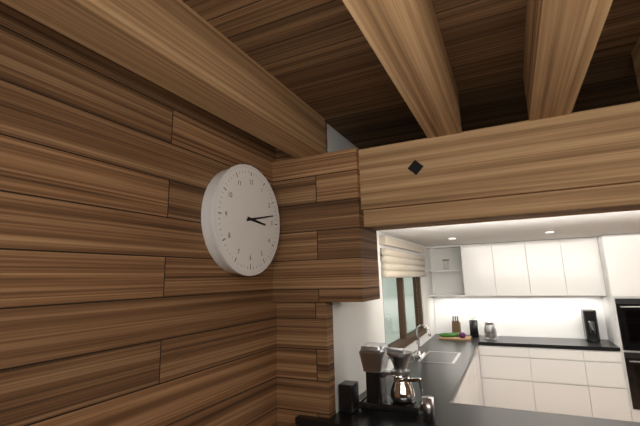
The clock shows {"hour": 3, "minute": 13}
